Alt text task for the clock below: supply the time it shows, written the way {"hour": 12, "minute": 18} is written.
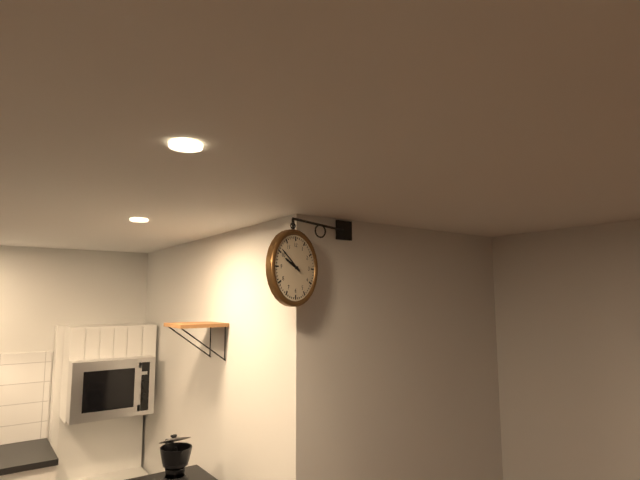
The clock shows {"hour": 9, "minute": 51}
